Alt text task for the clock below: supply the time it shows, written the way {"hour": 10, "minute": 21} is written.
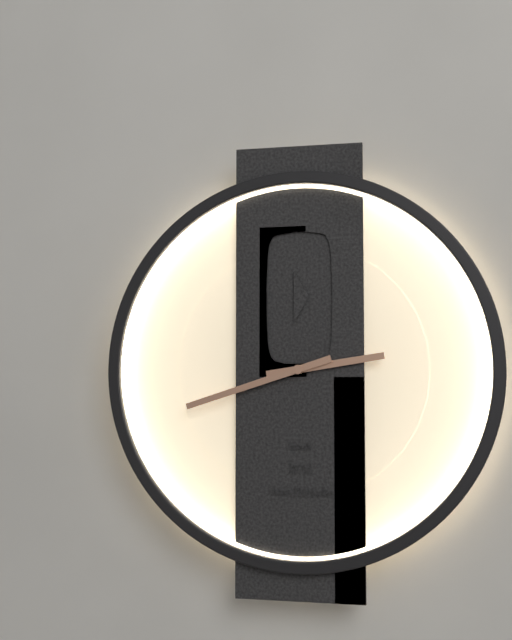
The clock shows {"hour": 2, "minute": 42}
